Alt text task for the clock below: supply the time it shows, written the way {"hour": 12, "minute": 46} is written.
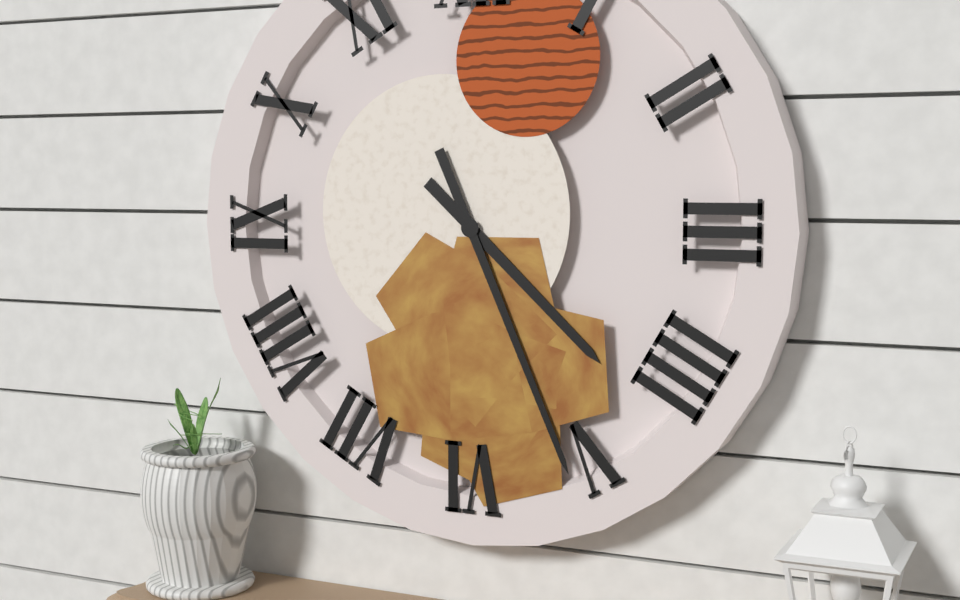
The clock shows {"hour": 4, "minute": 26}
